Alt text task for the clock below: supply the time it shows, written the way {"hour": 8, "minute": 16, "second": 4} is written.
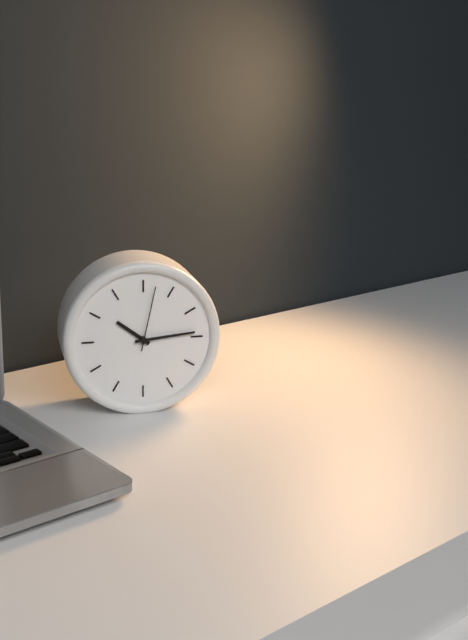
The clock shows {"hour": 10, "minute": 14, "second": 2}
